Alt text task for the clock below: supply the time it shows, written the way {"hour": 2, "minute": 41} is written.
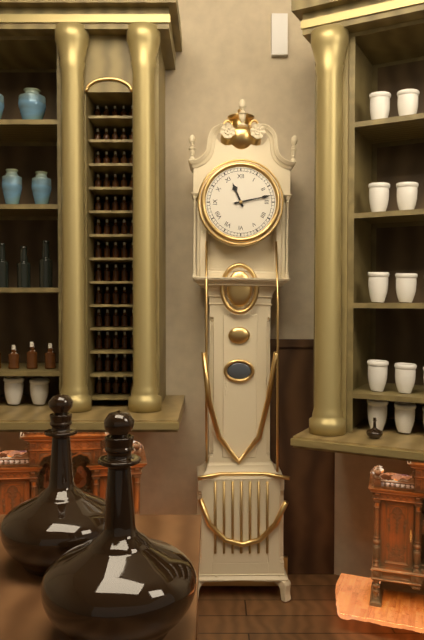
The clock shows {"hour": 11, "minute": 13}
